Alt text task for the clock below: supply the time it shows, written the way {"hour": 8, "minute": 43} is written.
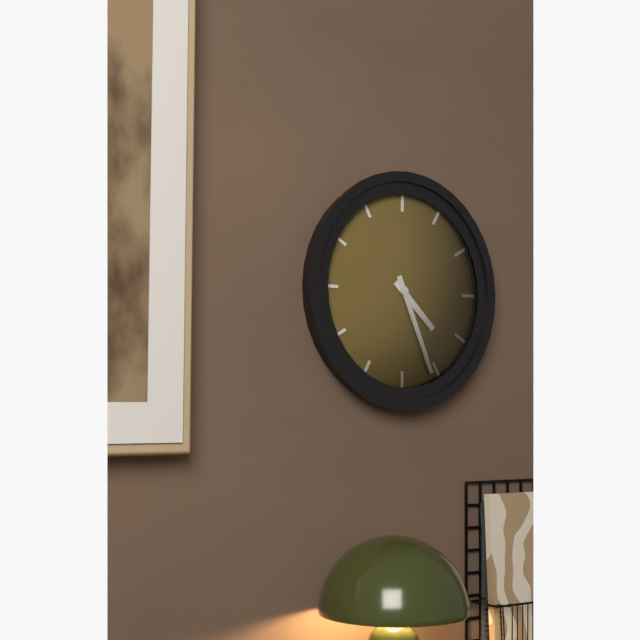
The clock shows {"hour": 4, "minute": 26}
